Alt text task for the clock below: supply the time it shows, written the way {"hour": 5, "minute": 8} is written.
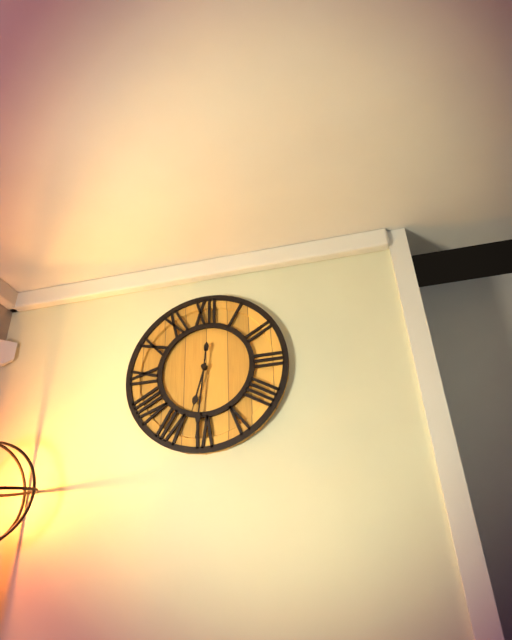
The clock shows {"hour": 6, "minute": 31}
